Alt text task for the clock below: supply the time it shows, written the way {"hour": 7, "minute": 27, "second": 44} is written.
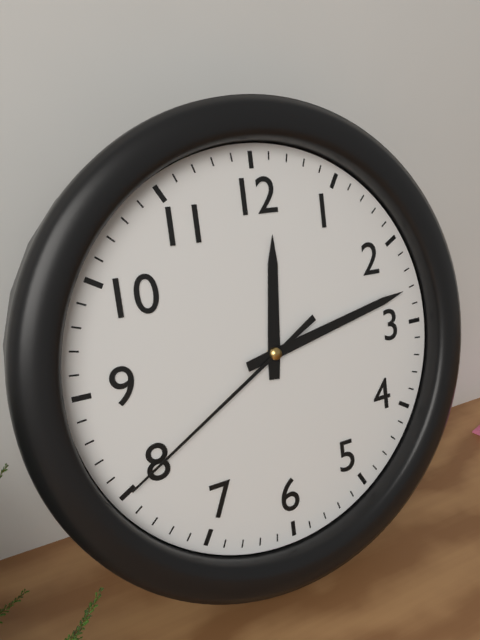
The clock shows {"hour": 12, "minute": 13, "second": 40}
